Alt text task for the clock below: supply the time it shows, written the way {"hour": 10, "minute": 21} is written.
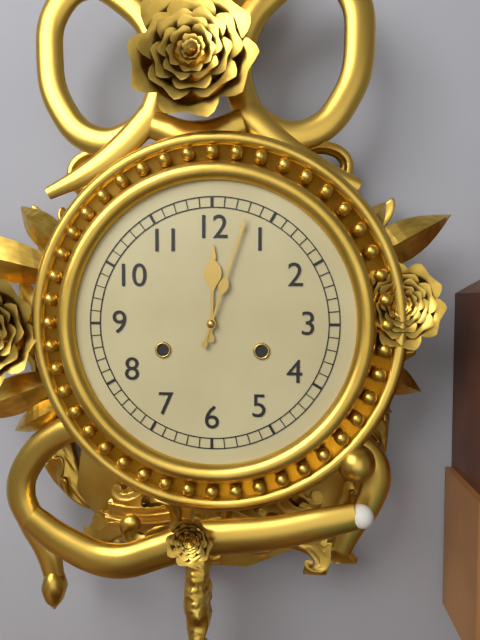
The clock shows {"hour": 12, "minute": 3}
